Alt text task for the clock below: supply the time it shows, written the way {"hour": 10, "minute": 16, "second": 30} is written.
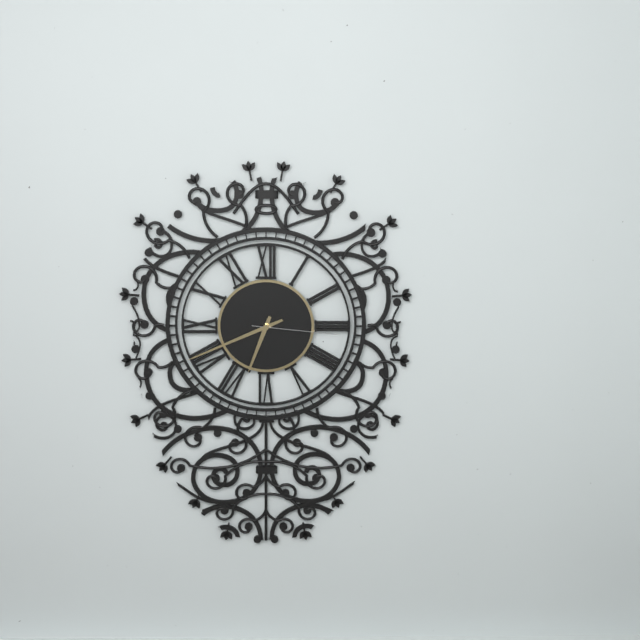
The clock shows {"hour": 6, "minute": 41, "second": 16}
